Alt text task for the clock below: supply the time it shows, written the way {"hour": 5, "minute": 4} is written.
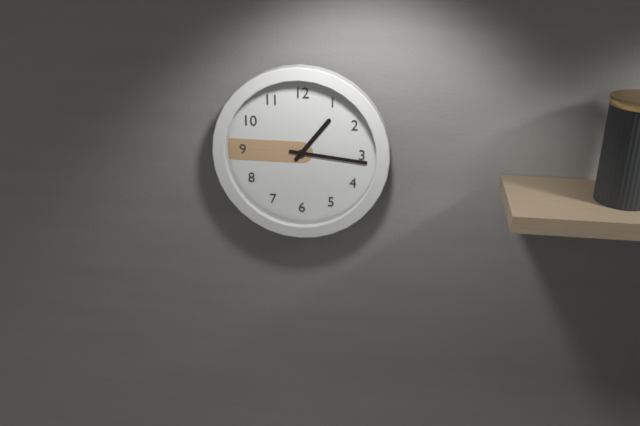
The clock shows {"hour": 1, "minute": 16}
